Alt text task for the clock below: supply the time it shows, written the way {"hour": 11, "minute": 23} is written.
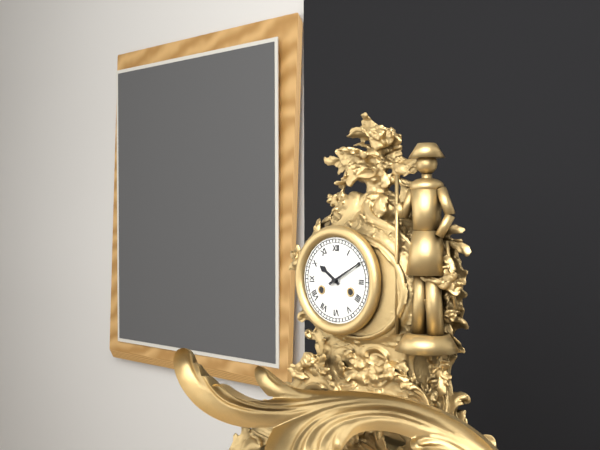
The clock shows {"hour": 10, "minute": 10}
